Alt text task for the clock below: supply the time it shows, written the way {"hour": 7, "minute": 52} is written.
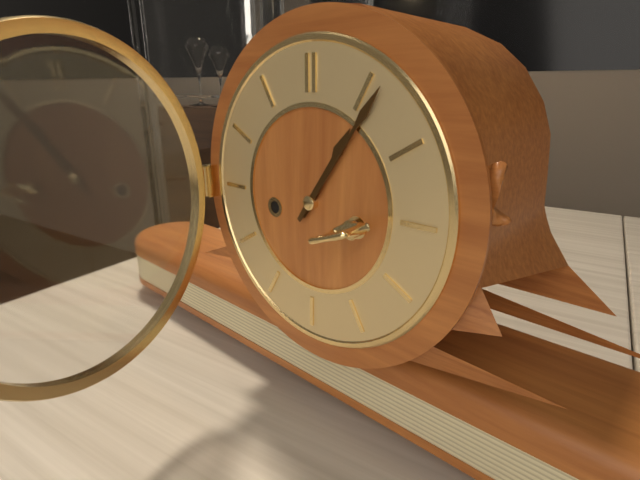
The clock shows {"hour": 1, "minute": 6}
